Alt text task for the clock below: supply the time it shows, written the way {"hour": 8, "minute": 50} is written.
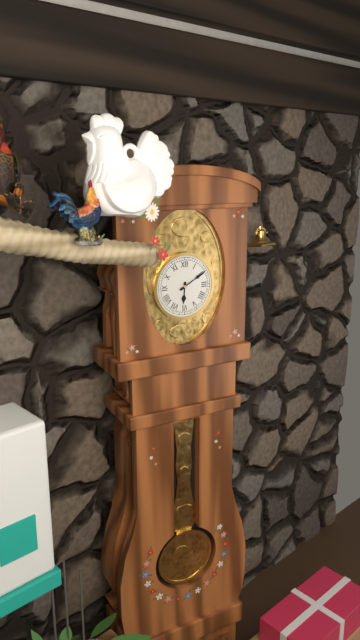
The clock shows {"hour": 6, "minute": 10}
